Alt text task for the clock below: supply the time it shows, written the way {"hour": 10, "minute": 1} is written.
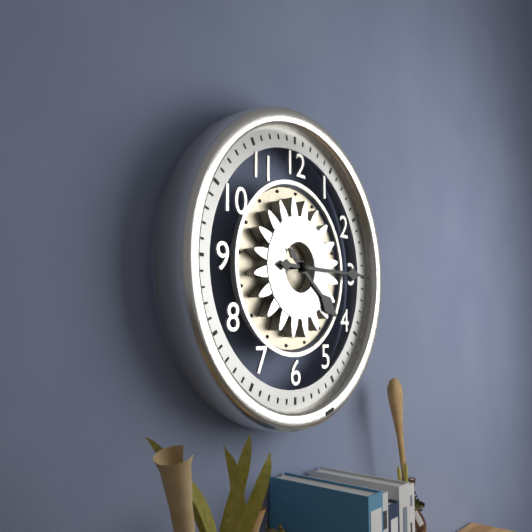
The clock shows {"hour": 4, "minute": 15}
